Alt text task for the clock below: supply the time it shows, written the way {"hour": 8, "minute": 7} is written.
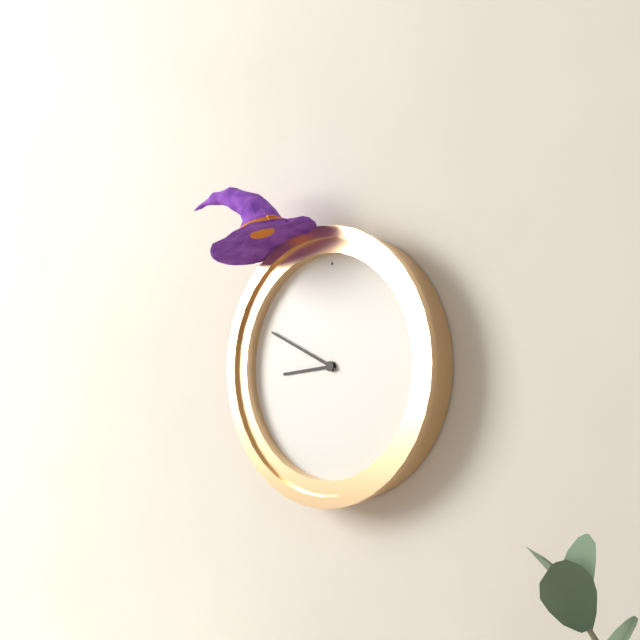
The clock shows {"hour": 8, "minute": 49}
